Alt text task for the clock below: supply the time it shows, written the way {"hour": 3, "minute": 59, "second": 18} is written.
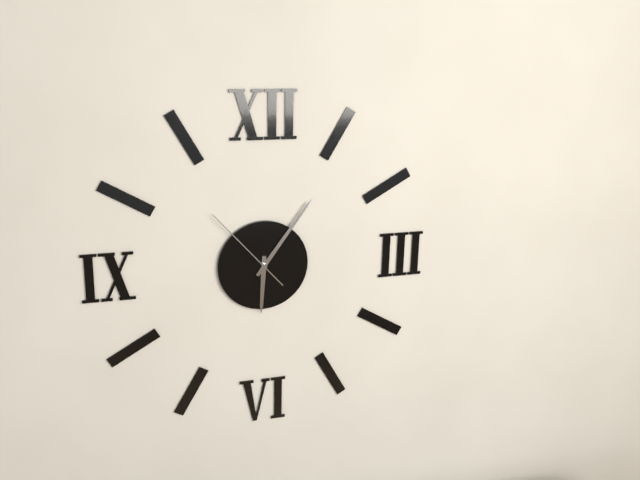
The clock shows {"hour": 6, "minute": 6, "second": 53}
